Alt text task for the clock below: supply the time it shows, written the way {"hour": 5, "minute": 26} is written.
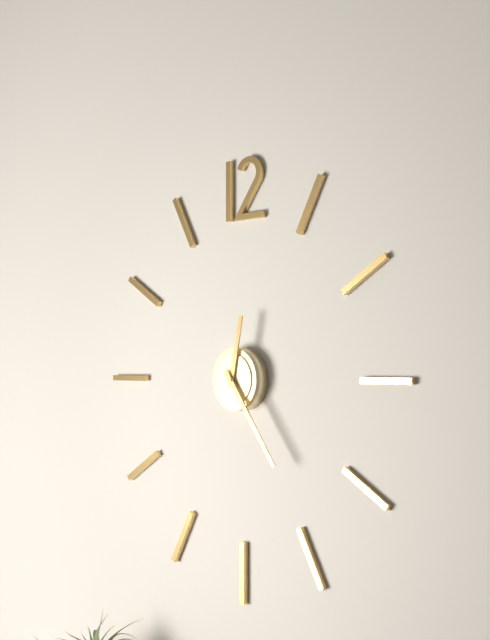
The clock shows {"hour": 12, "minute": 24}
